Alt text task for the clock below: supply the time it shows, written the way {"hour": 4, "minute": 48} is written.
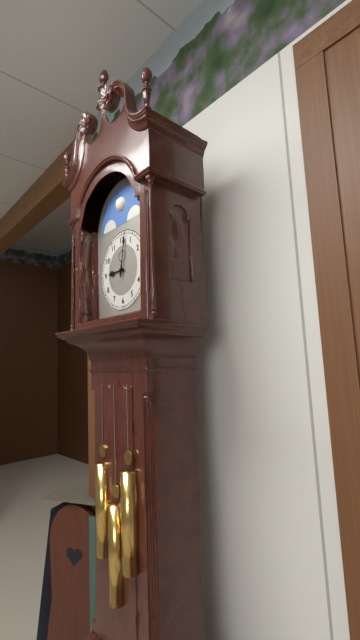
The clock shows {"hour": 9, "minute": 2}
